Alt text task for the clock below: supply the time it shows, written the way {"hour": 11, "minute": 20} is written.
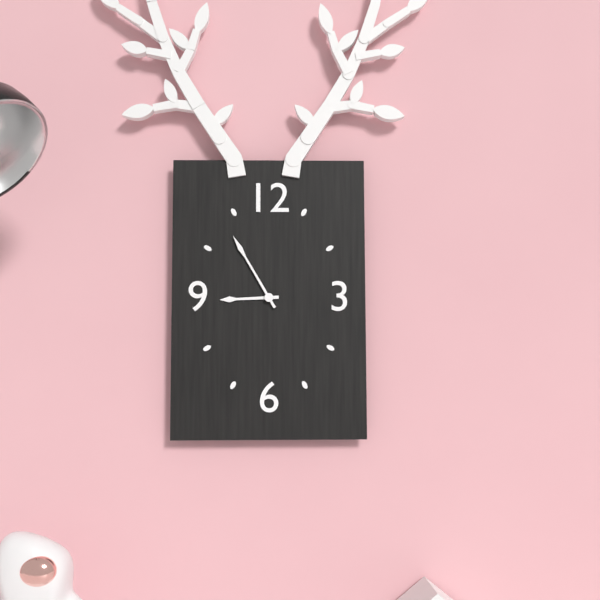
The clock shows {"hour": 8, "minute": 55}
